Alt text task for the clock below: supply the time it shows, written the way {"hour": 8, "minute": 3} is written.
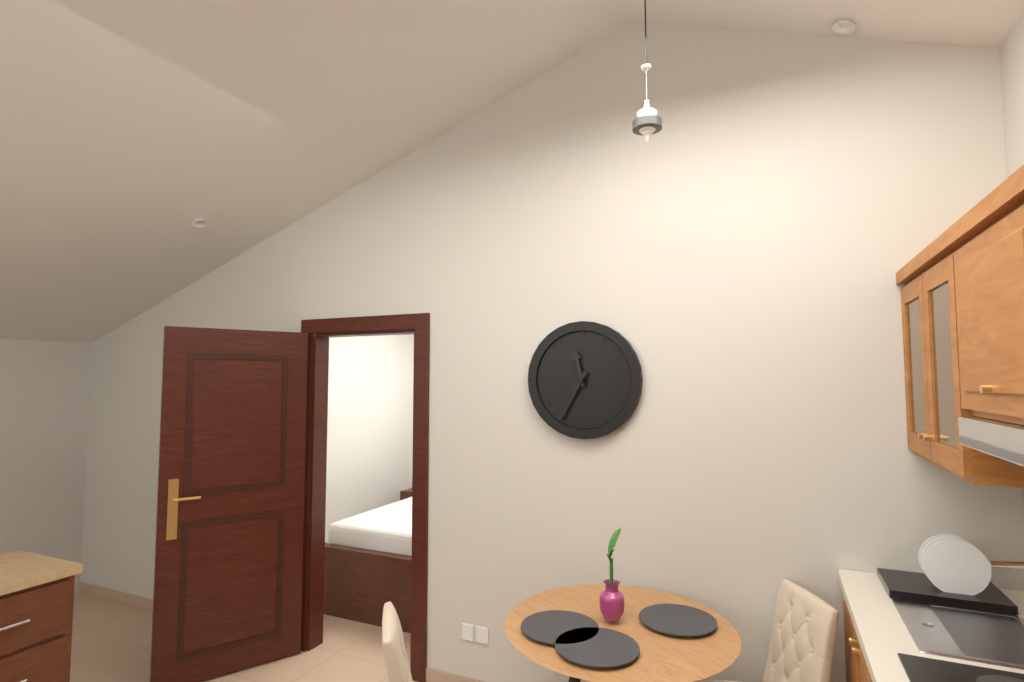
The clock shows {"hour": 11, "minute": 35}
